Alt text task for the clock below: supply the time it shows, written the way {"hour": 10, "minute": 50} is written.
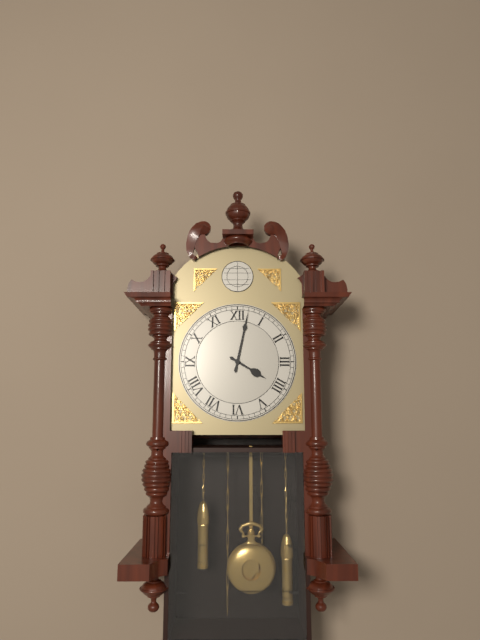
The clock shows {"hour": 4, "minute": 2}
